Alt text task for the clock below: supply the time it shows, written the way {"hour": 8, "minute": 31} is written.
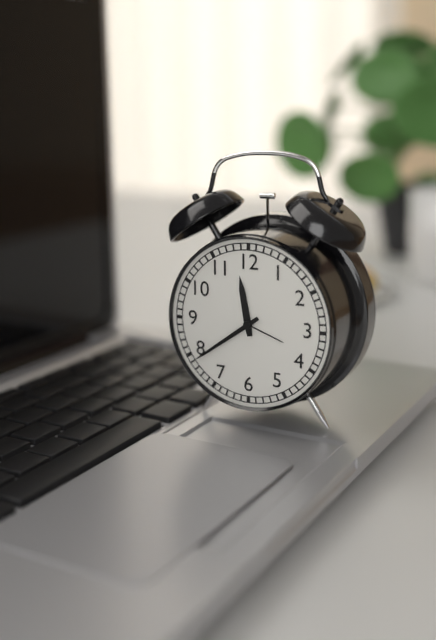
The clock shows {"hour": 11, "minute": 39}
